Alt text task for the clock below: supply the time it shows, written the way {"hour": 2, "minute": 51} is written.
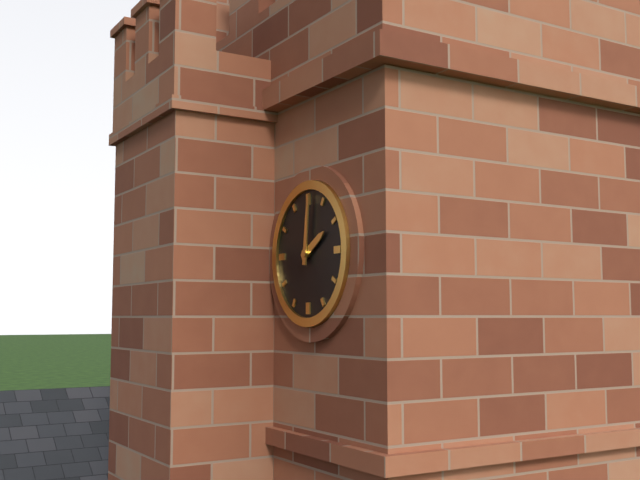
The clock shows {"hour": 2, "minute": 1}
